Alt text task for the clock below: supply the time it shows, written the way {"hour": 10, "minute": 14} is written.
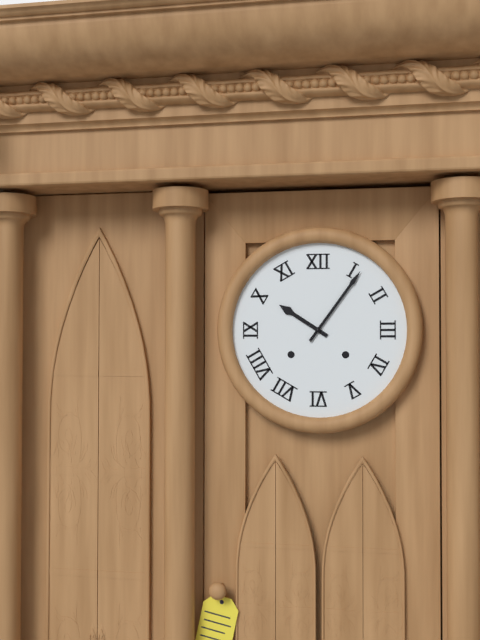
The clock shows {"hour": 10, "minute": 6}
